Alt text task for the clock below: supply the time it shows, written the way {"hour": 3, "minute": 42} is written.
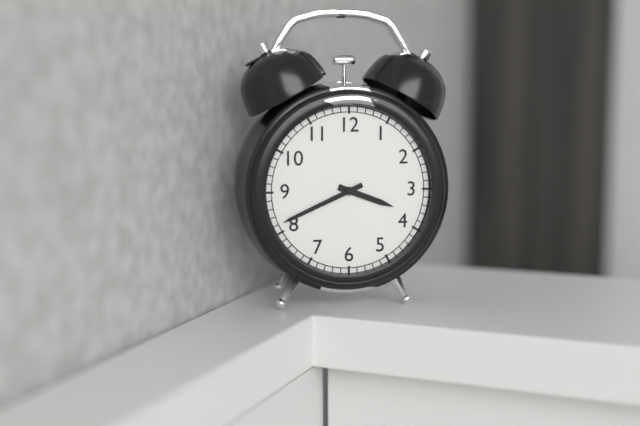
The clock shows {"hour": 3, "minute": 41}
